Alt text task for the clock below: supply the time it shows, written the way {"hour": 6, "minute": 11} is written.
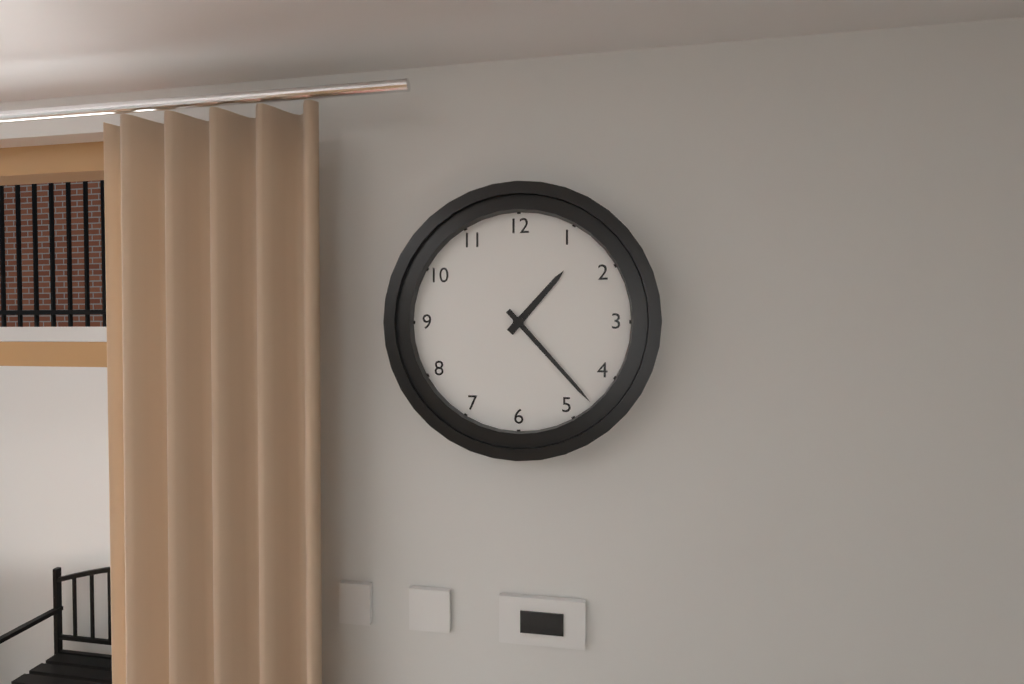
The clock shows {"hour": 1, "minute": 23}
